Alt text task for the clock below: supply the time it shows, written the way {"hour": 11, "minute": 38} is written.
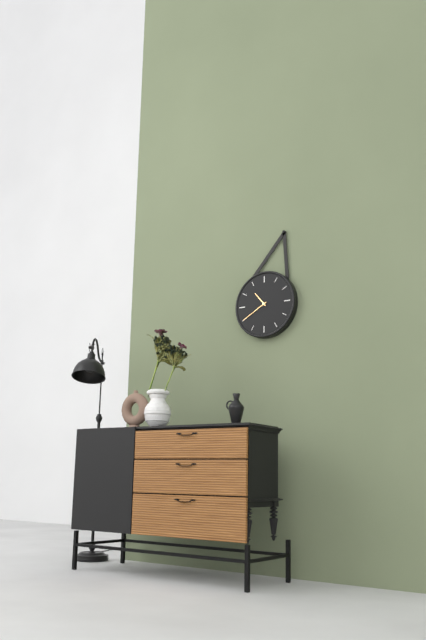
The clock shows {"hour": 10, "minute": 40}
